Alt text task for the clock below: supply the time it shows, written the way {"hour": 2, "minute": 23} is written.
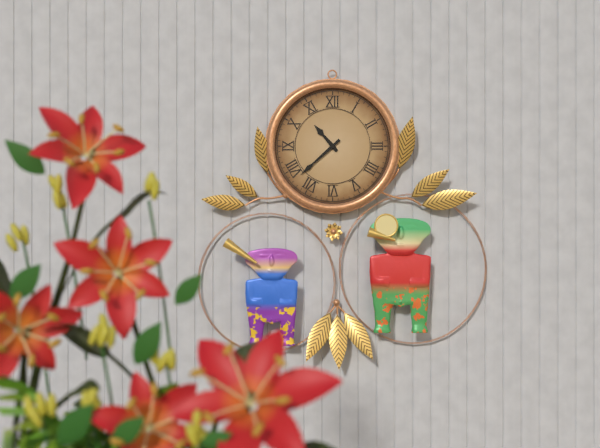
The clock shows {"hour": 10, "minute": 38}
